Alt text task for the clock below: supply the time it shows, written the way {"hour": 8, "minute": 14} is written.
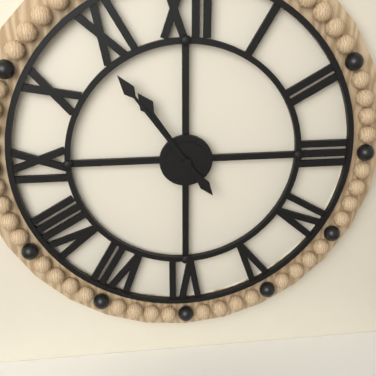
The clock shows {"hour": 10, "minute": 54}
